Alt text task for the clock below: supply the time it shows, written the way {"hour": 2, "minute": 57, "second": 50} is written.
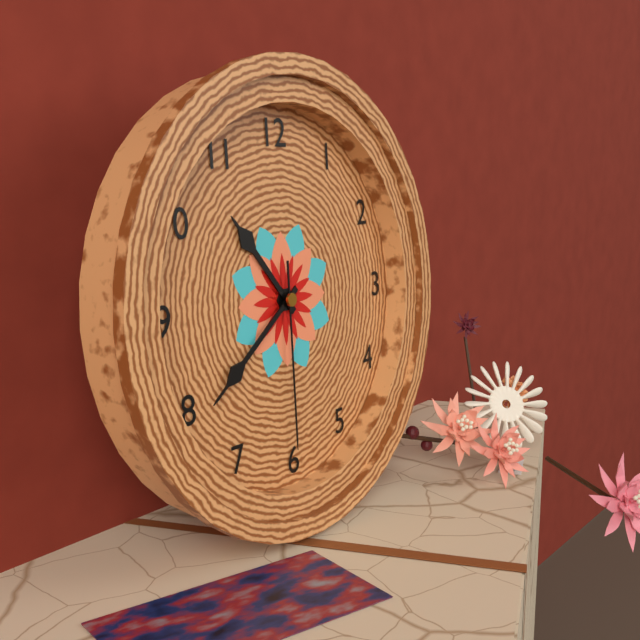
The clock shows {"hour": 10, "minute": 39, "second": 30}
